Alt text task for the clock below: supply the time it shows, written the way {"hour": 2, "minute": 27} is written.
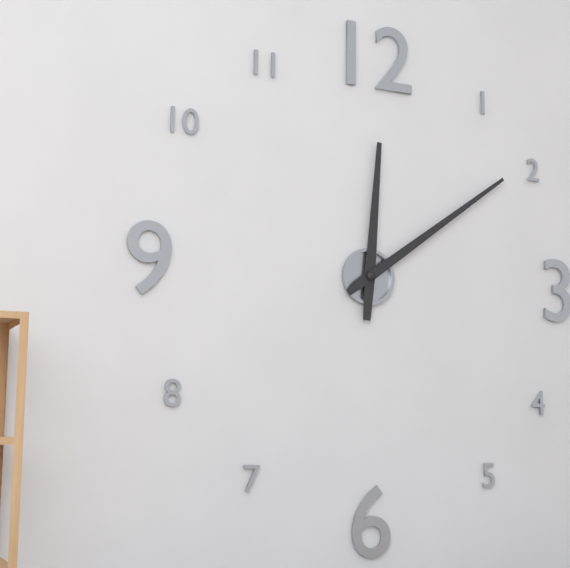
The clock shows {"hour": 12, "minute": 9}
